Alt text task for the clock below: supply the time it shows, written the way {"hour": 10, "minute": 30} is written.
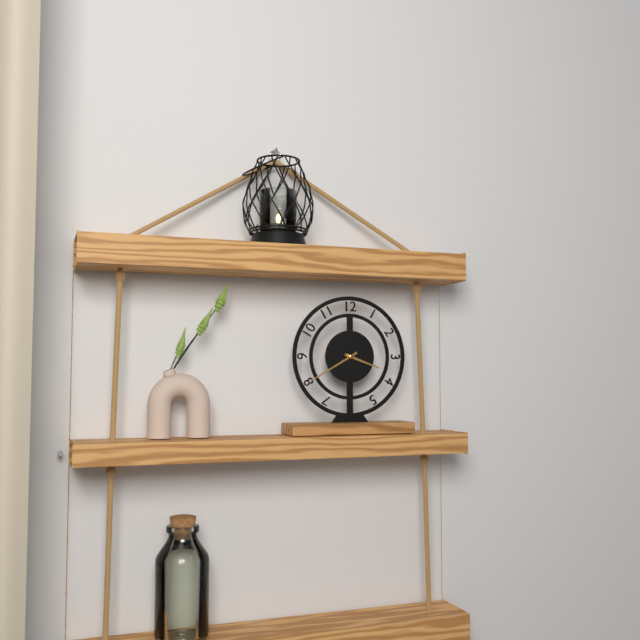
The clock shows {"hour": 3, "minute": 40}
